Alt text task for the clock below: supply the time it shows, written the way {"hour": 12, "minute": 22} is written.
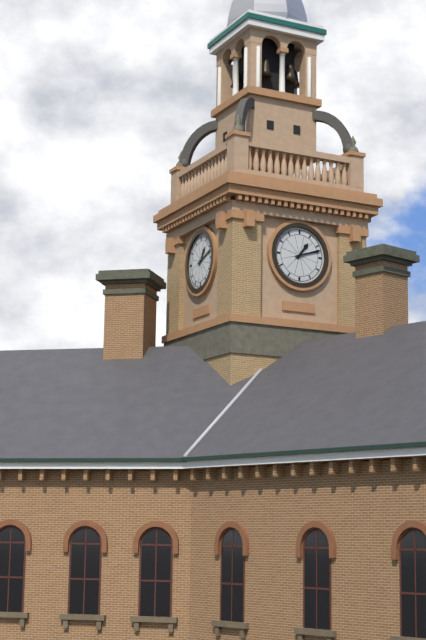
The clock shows {"hour": 1, "minute": 12}
